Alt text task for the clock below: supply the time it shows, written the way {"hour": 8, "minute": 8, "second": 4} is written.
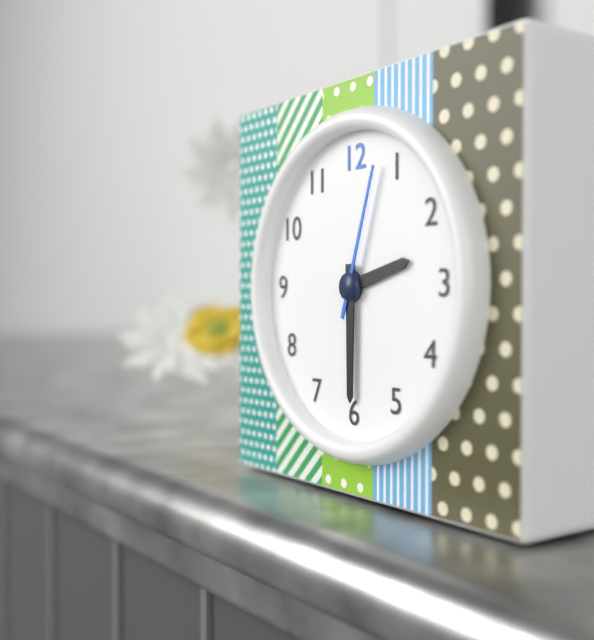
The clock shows {"hour": 2, "minute": 30, "second": 3}
